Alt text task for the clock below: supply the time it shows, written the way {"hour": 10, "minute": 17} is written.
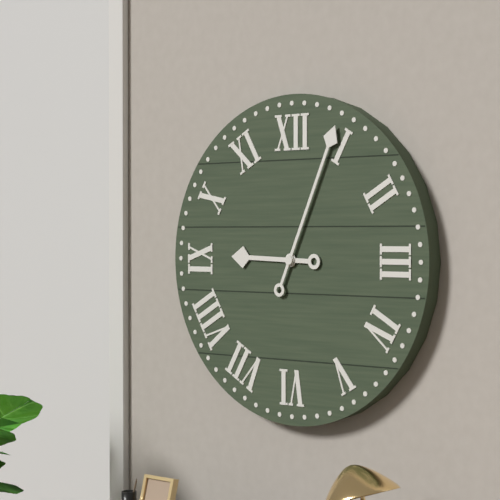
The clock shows {"hour": 9, "minute": 4}
